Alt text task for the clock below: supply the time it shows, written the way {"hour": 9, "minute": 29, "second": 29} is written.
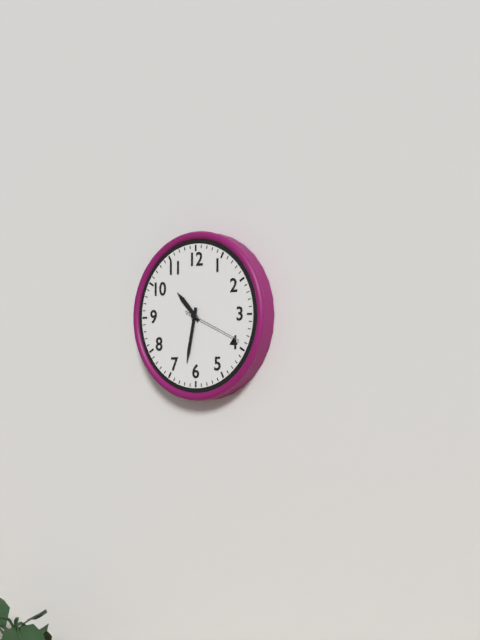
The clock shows {"hour": 10, "minute": 32, "second": 19}
